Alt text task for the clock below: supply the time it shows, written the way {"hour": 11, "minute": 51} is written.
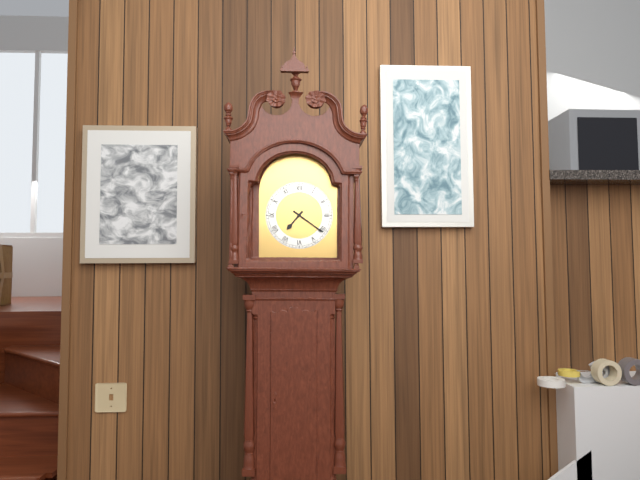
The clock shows {"hour": 7, "minute": 21}
